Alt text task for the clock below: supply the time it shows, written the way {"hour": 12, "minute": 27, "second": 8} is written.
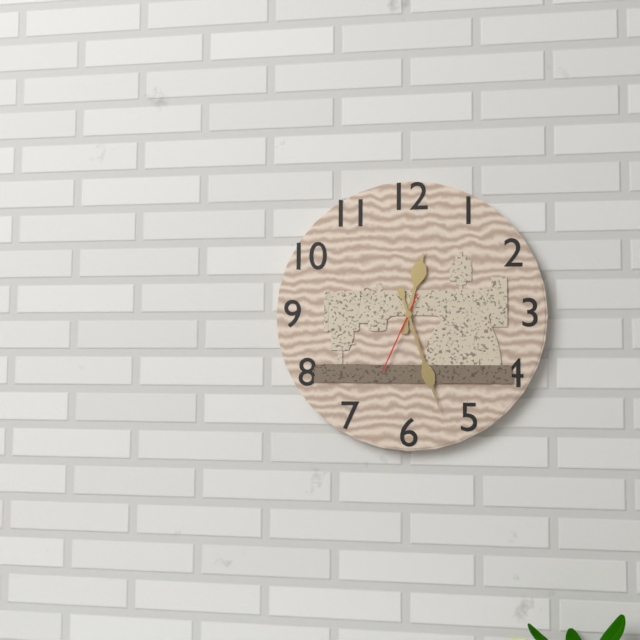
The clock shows {"hour": 12, "minute": 27, "second": 34}
